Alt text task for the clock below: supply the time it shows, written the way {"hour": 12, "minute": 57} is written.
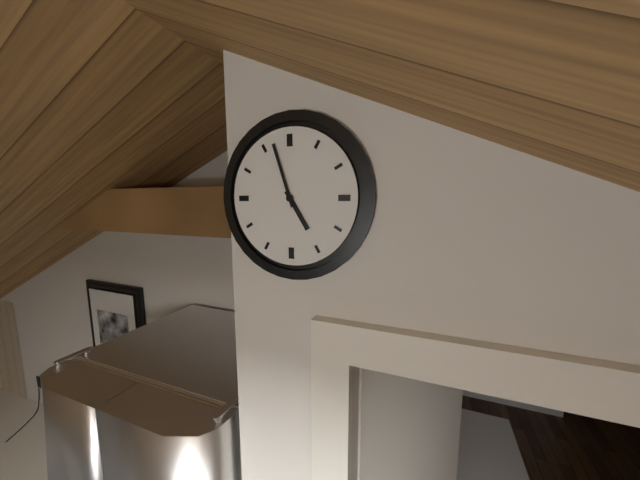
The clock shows {"hour": 4, "minute": 57}
